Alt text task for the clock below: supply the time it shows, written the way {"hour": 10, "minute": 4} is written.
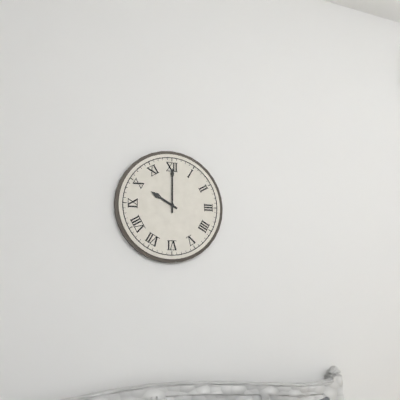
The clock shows {"hour": 10, "minute": 0}
